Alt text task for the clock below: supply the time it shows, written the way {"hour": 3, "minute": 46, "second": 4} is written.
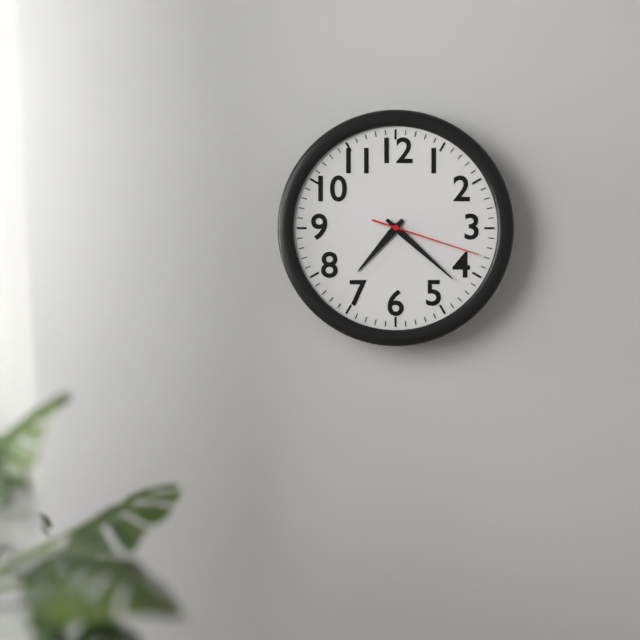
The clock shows {"hour": 7, "minute": 22, "second": 18}
